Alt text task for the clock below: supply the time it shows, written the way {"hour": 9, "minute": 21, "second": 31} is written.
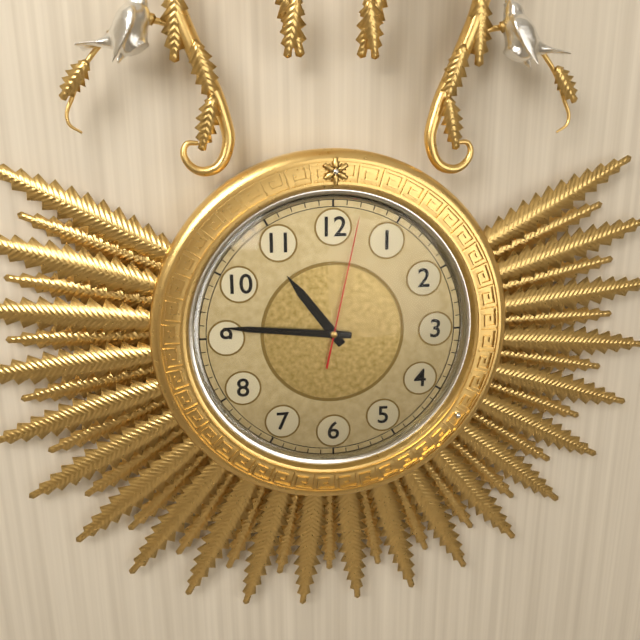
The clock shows {"hour": 10, "minute": 46, "second": 2}
